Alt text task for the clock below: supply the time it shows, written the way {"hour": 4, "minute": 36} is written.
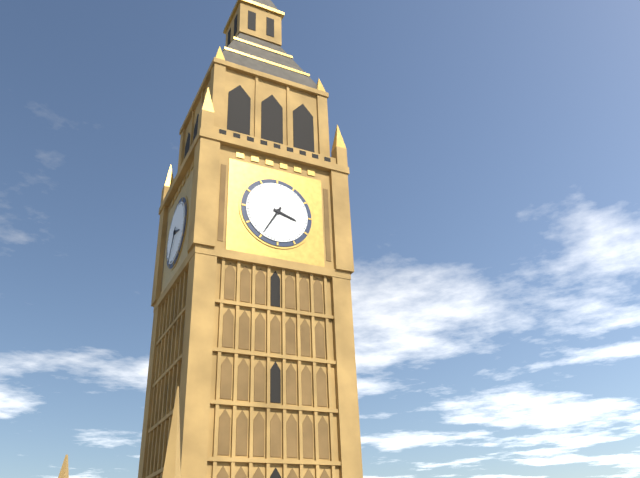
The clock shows {"hour": 3, "minute": 35}
